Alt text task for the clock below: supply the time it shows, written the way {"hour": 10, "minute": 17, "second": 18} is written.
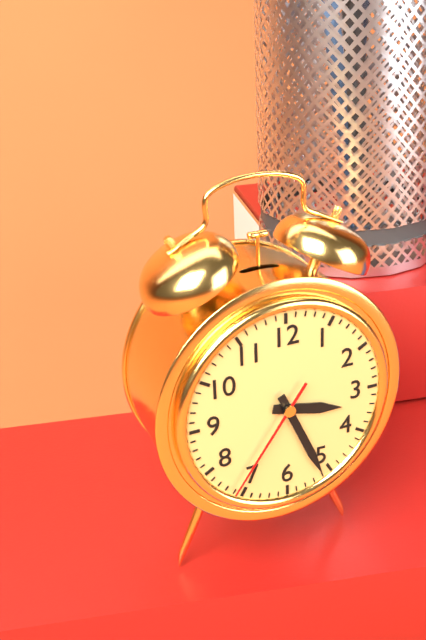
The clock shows {"hour": 3, "minute": 26, "second": 36}
